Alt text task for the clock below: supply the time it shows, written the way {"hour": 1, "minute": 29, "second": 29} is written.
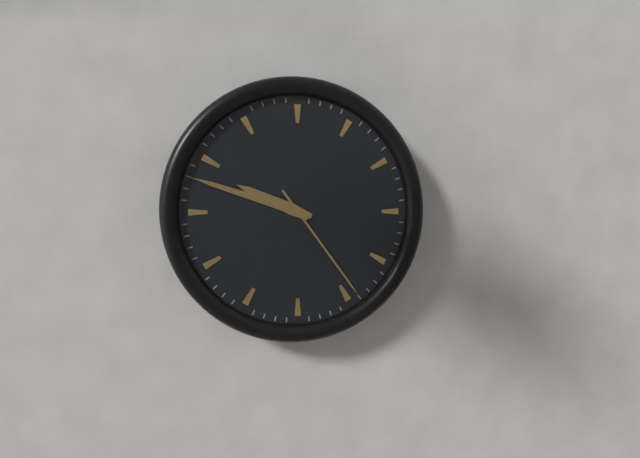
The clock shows {"hour": 9, "minute": 48, "second": 24}
